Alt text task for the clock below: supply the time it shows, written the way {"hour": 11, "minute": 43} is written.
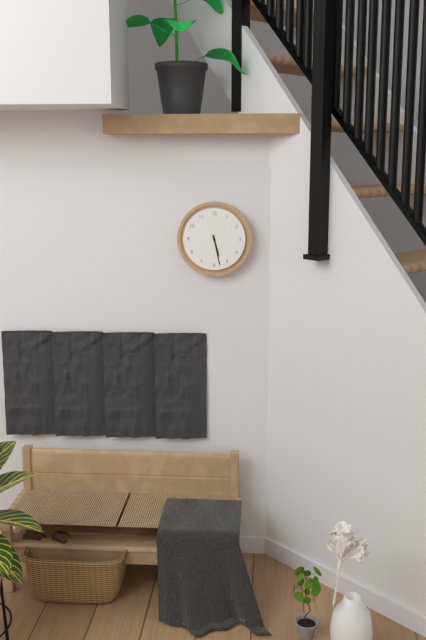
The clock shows {"hour": 5, "minute": 28}
